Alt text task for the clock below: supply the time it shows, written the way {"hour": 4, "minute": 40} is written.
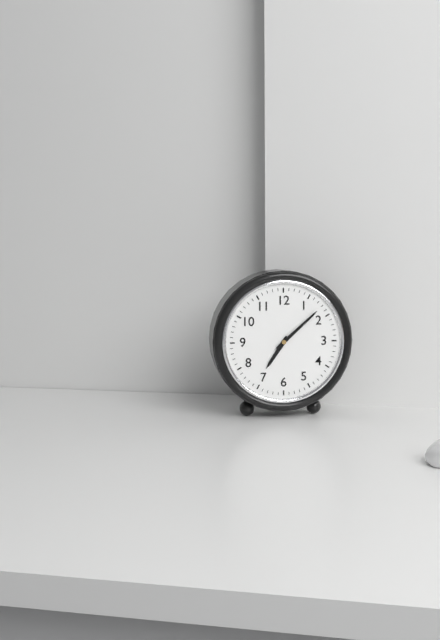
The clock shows {"hour": 7, "minute": 8}
